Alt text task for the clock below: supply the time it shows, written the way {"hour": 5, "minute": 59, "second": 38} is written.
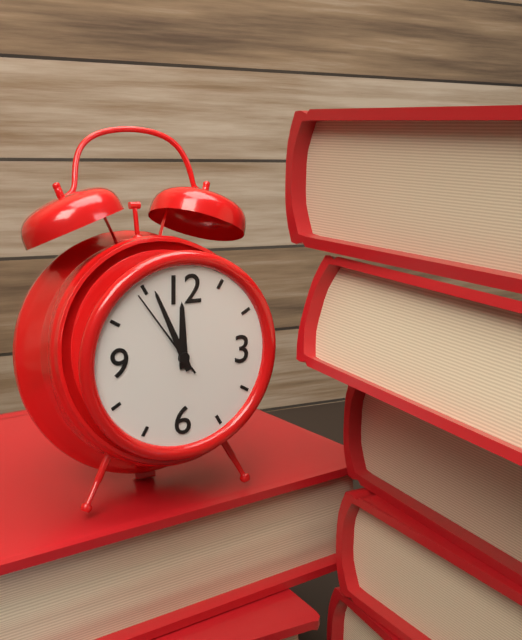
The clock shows {"hour": 11, "minute": 56, "second": 54}
